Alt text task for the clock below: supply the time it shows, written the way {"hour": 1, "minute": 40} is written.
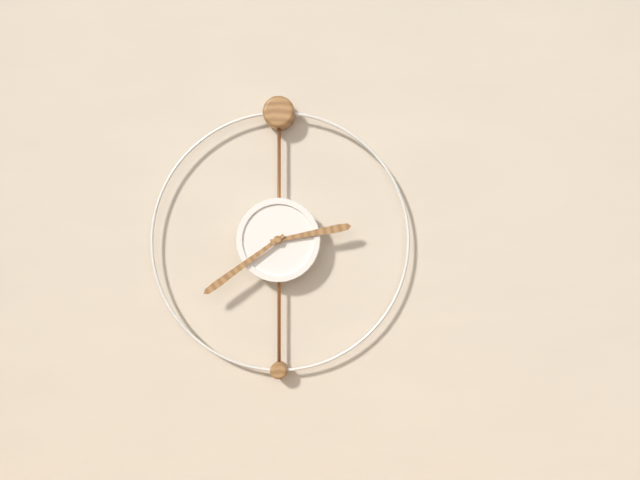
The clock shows {"hour": 2, "minute": 39}
